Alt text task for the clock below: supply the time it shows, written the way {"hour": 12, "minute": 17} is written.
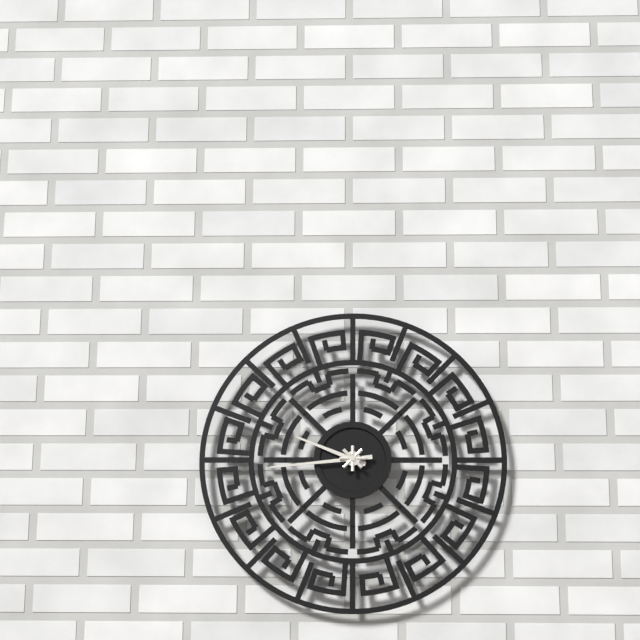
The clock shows {"hour": 9, "minute": 44}
